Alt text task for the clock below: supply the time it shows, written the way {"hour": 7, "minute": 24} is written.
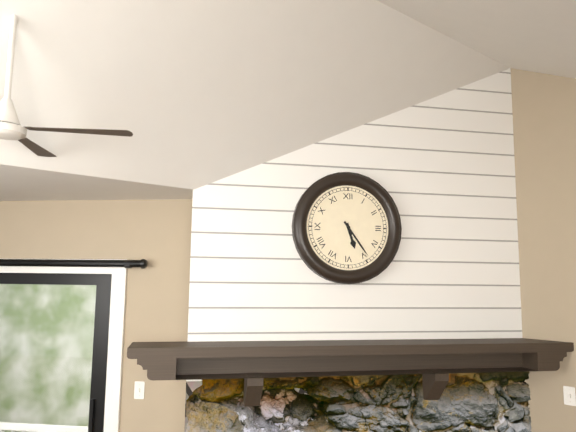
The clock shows {"hour": 5, "minute": 24}
